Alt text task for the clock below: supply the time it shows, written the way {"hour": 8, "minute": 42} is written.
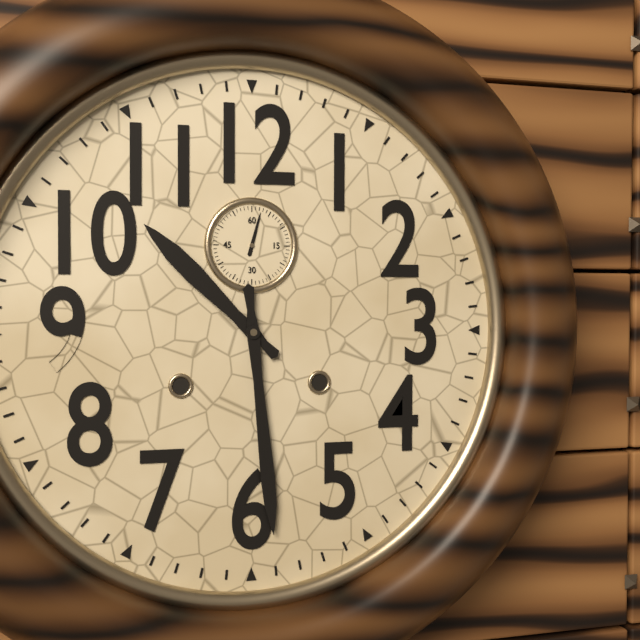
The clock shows {"hour": 10, "minute": 29}
